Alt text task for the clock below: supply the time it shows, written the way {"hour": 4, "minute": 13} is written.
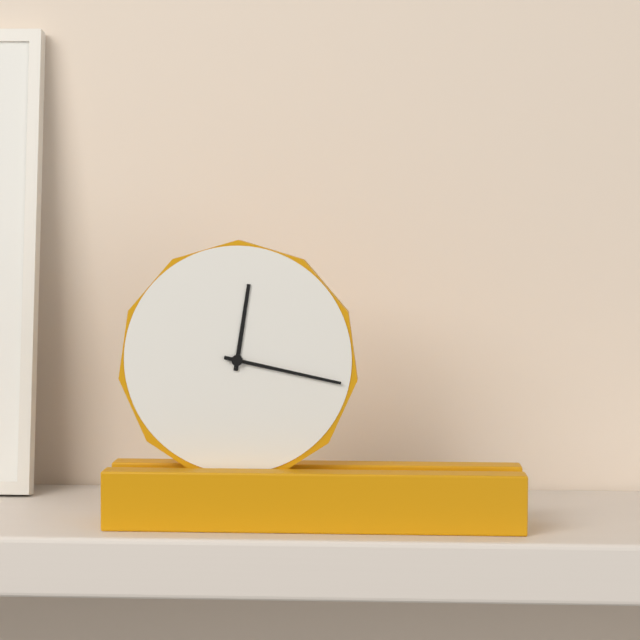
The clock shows {"hour": 12, "minute": 17}
